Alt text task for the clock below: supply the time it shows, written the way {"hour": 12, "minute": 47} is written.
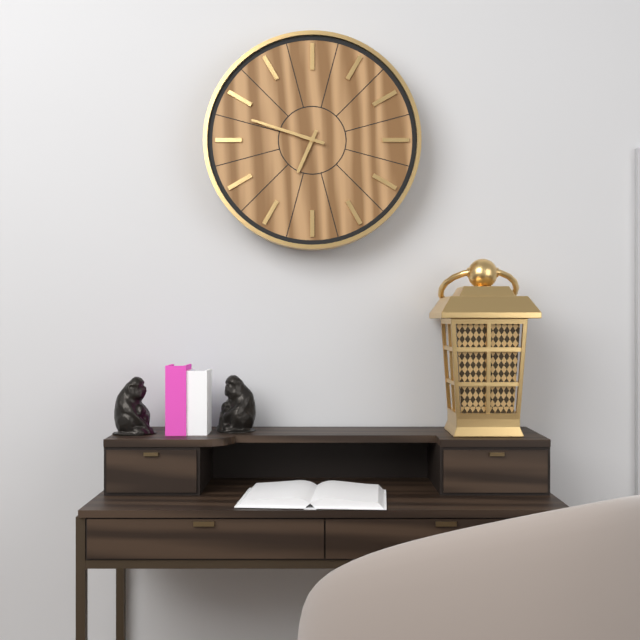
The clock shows {"hour": 6, "minute": 48}
